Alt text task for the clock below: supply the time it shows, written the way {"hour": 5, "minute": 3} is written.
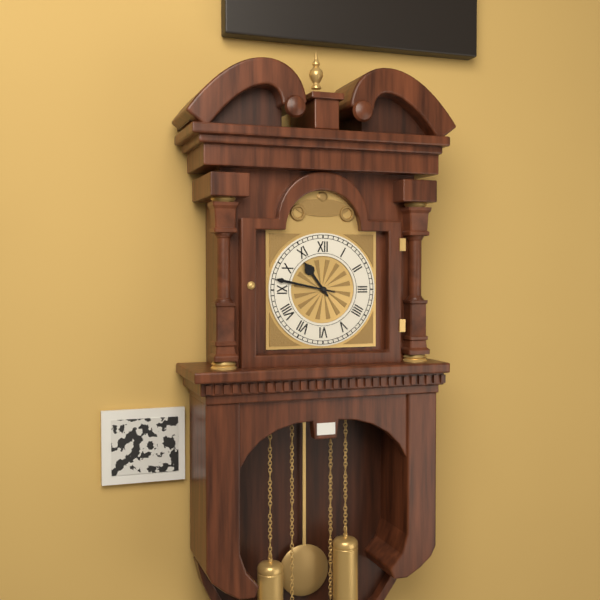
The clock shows {"hour": 10, "minute": 47}
